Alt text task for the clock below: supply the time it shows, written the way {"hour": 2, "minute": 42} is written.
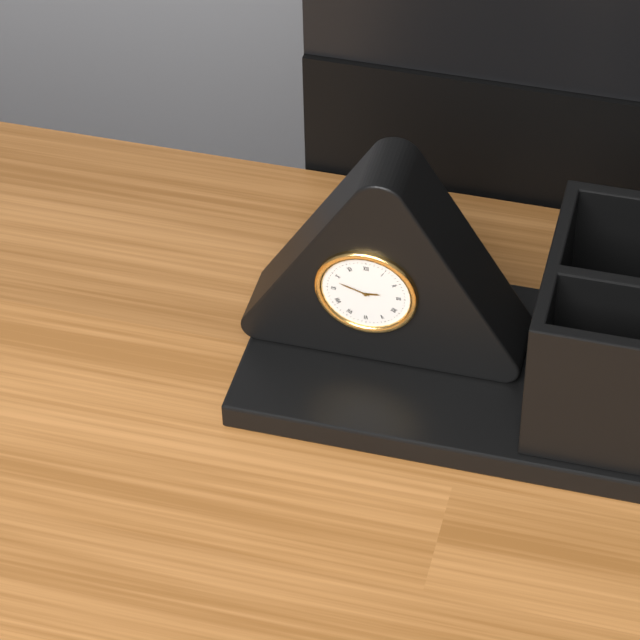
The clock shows {"hour": 2, "minute": 48}
